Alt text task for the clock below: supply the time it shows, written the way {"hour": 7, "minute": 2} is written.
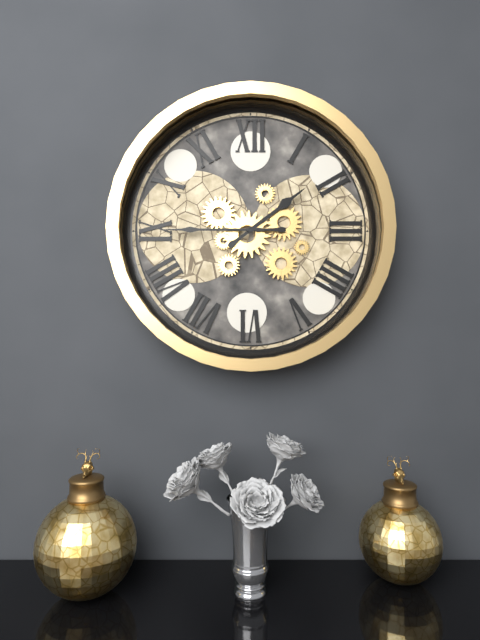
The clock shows {"hour": 1, "minute": 45}
